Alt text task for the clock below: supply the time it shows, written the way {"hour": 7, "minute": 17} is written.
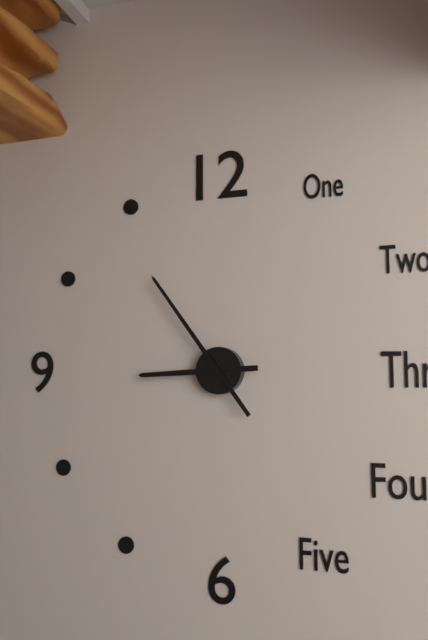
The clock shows {"hour": 8, "minute": 54}
